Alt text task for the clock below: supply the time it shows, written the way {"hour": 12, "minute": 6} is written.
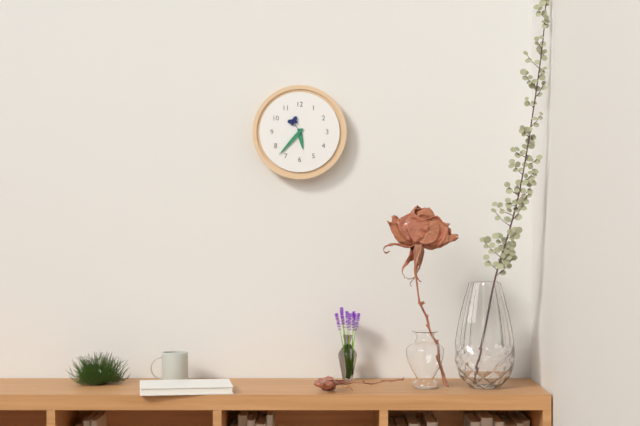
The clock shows {"hour": 5, "minute": 37}
